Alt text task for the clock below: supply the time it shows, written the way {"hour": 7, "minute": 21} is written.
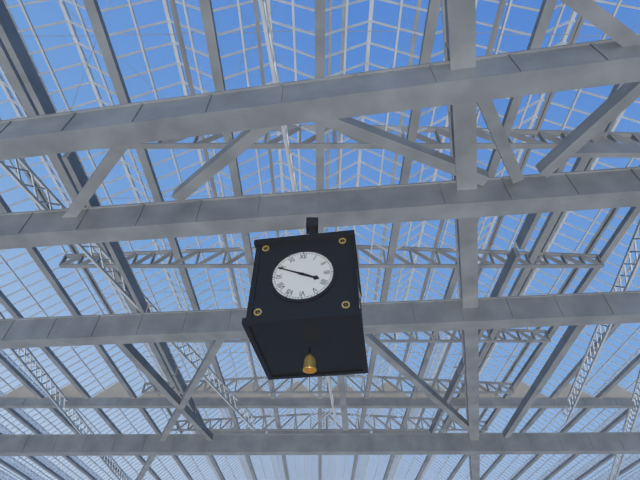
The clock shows {"hour": 3, "minute": 49}
